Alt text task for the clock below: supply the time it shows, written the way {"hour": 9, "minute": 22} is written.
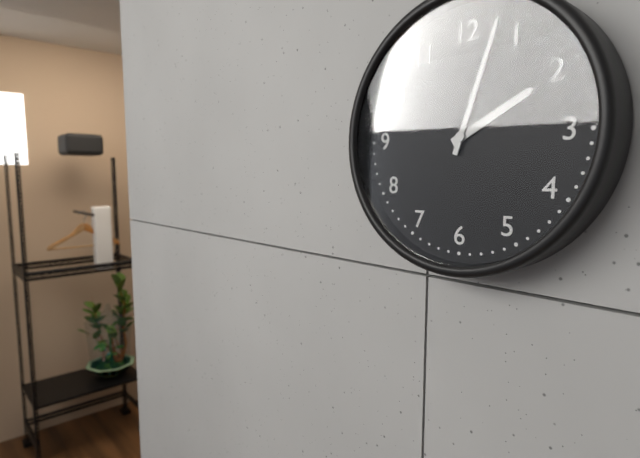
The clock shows {"hour": 2, "minute": 3}
